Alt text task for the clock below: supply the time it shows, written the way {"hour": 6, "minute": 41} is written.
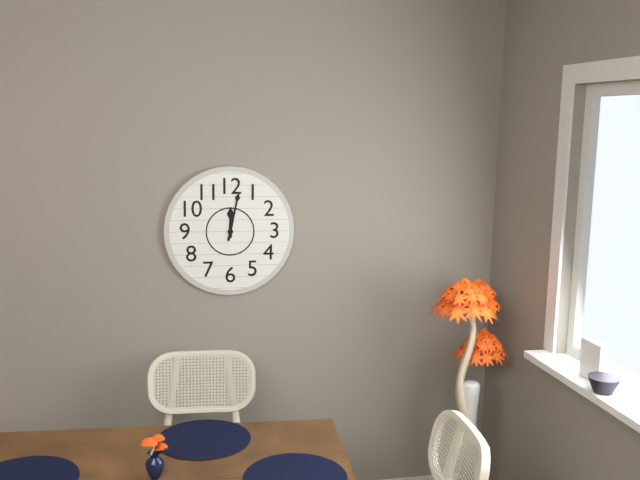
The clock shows {"hour": 12, "minute": 2}
